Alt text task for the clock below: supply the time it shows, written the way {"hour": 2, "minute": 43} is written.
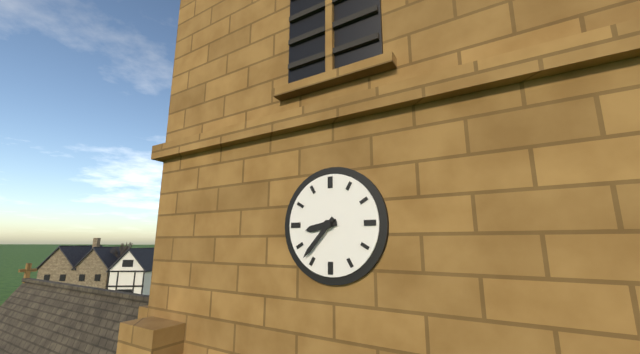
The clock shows {"hour": 8, "minute": 37}
